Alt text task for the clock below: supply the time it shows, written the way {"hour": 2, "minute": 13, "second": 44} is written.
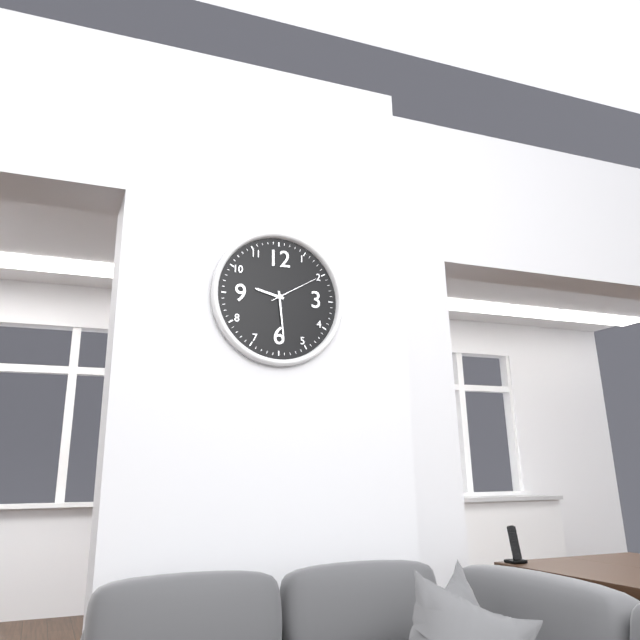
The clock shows {"hour": 9, "minute": 29, "second": 10}
